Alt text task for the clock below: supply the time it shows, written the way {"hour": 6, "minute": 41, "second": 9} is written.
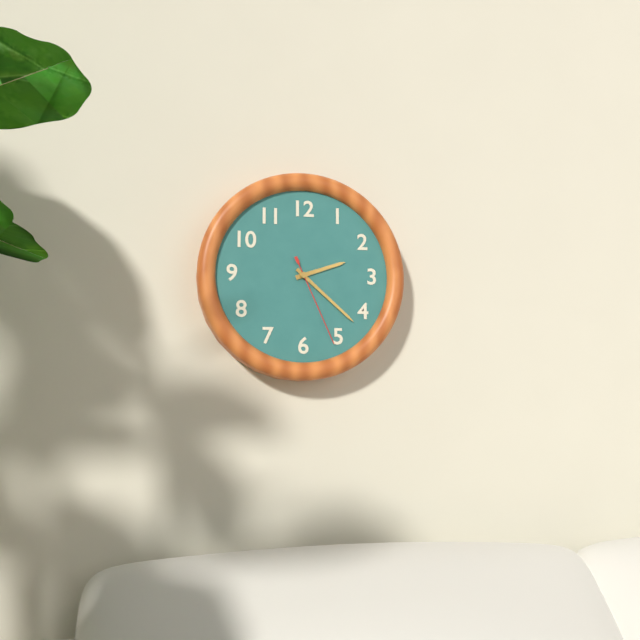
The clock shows {"hour": 2, "minute": 22, "second": 26}
